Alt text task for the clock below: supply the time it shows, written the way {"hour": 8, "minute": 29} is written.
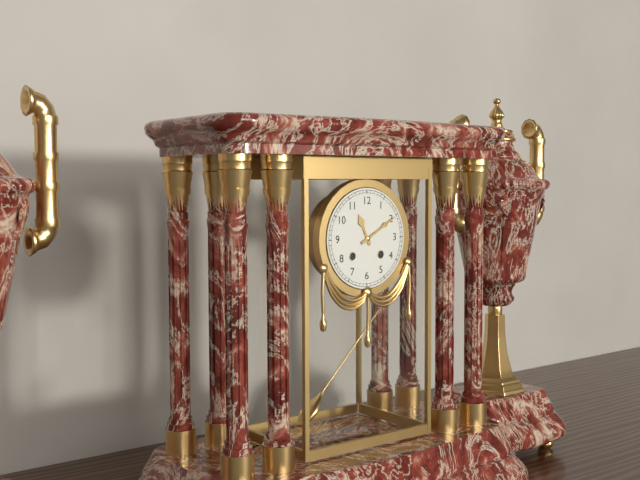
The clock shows {"hour": 11, "minute": 10}
